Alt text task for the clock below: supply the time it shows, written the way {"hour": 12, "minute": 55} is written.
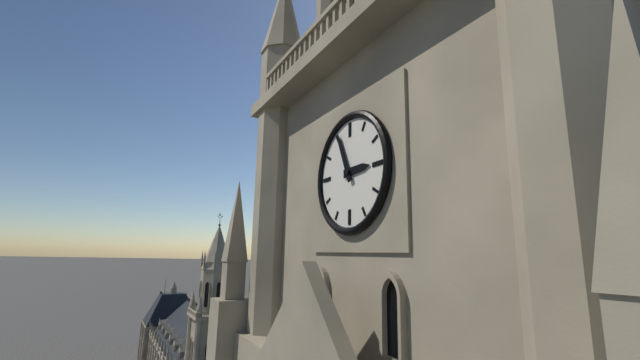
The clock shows {"hour": 2, "minute": 56}
